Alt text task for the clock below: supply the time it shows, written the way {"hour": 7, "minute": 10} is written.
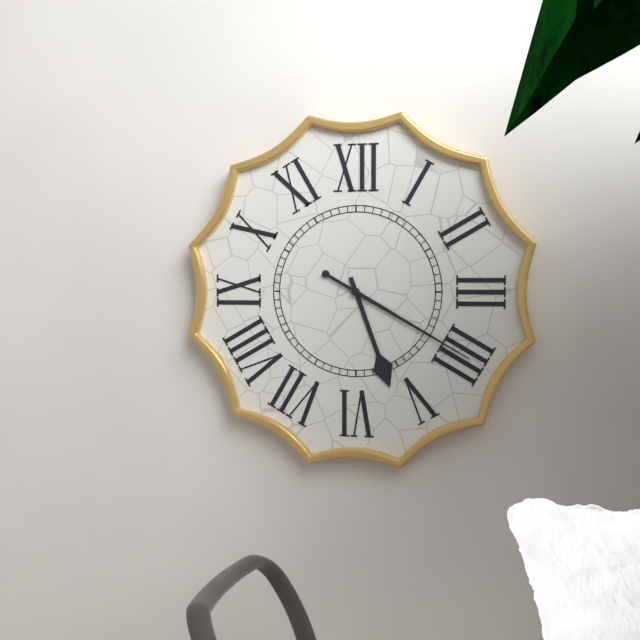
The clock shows {"hour": 5, "minute": 20}
